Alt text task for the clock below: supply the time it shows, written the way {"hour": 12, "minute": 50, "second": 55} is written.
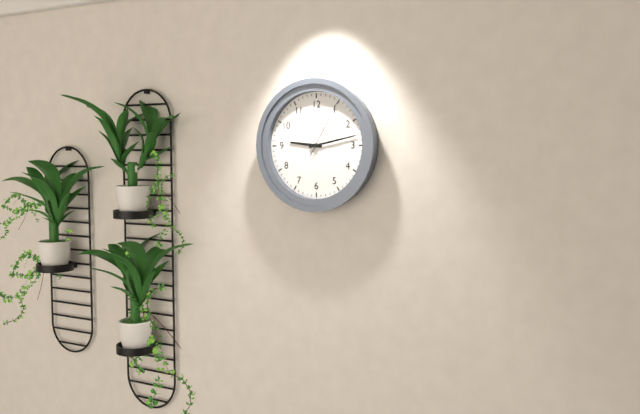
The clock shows {"hour": 9, "minute": 13, "second": 5}
